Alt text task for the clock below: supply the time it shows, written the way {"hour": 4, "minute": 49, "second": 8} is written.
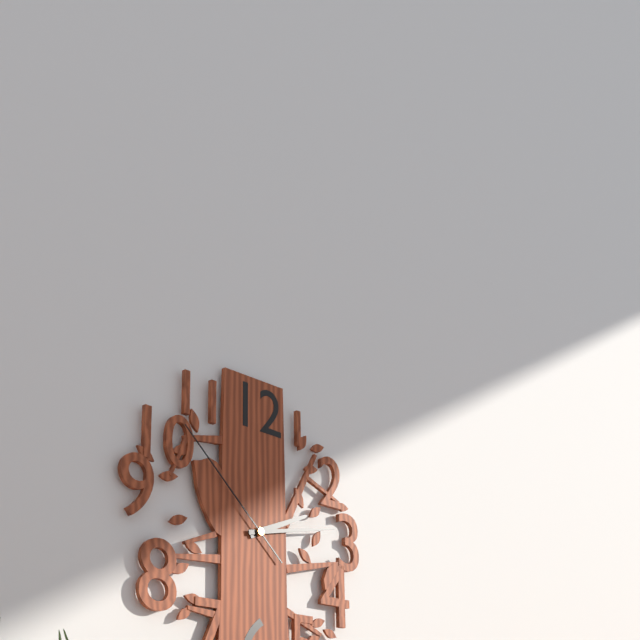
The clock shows {"hour": 2, "minute": 13, "second": 52}
